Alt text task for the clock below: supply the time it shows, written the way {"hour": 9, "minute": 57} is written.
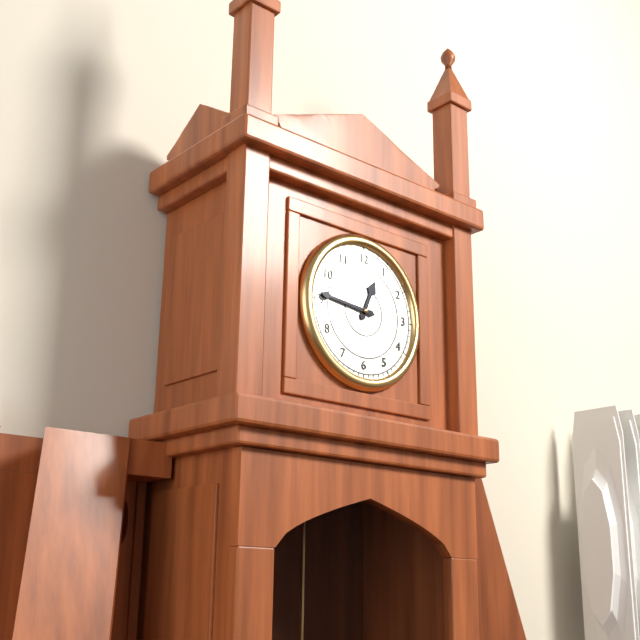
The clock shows {"hour": 12, "minute": 46}
